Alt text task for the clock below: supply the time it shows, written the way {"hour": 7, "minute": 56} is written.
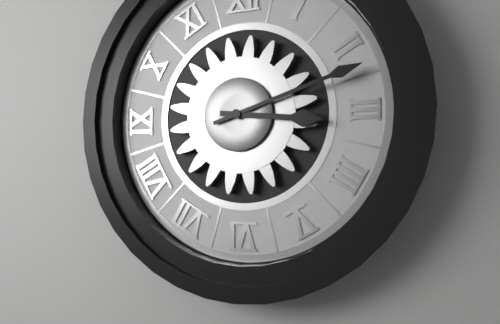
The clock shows {"hour": 3, "minute": 12}
